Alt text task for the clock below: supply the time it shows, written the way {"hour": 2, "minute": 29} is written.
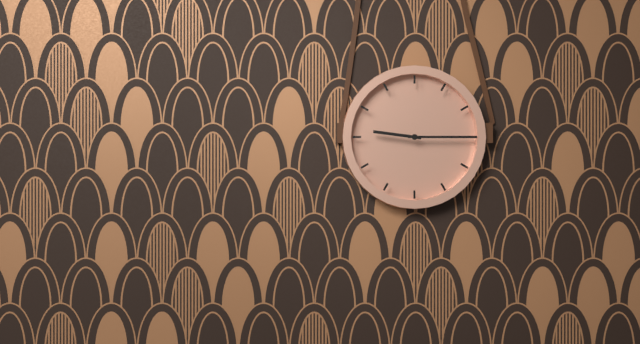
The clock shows {"hour": 9, "minute": 15}
